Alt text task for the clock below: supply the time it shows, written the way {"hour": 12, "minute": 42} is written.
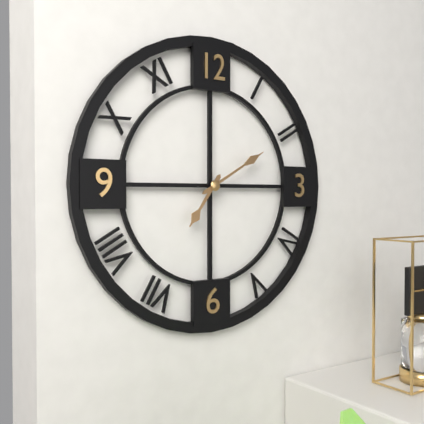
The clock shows {"hour": 7, "minute": 10}
